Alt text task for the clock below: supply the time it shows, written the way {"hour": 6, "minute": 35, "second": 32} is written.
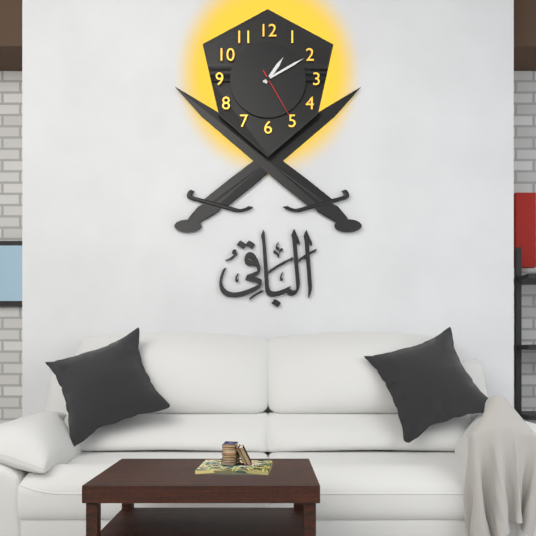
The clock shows {"hour": 1, "minute": 10, "second": 25}
